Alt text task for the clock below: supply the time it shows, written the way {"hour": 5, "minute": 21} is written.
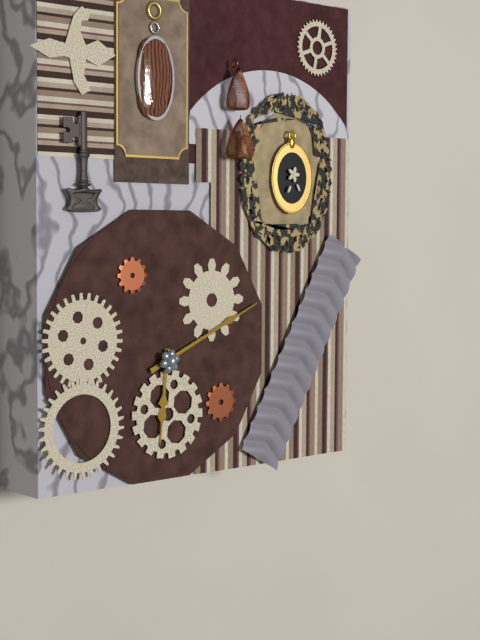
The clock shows {"hour": 6, "minute": 11}
